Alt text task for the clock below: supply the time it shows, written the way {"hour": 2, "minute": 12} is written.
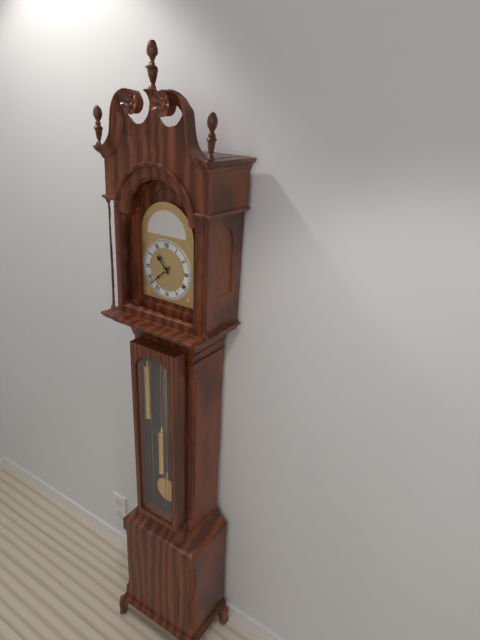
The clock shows {"hour": 10, "minute": 38}
